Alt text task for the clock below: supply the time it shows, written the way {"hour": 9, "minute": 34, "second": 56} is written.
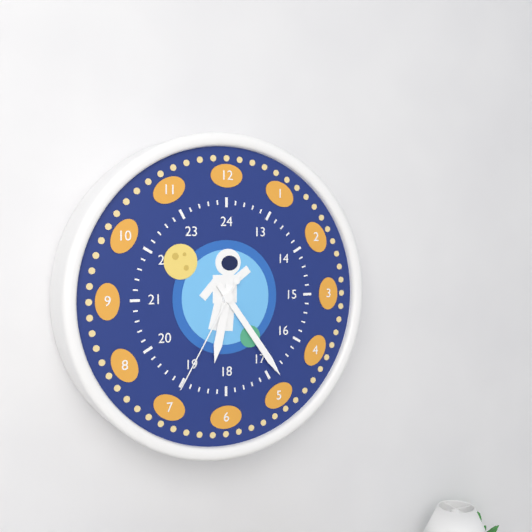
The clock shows {"hour": 6, "minute": 24, "second": 35}
